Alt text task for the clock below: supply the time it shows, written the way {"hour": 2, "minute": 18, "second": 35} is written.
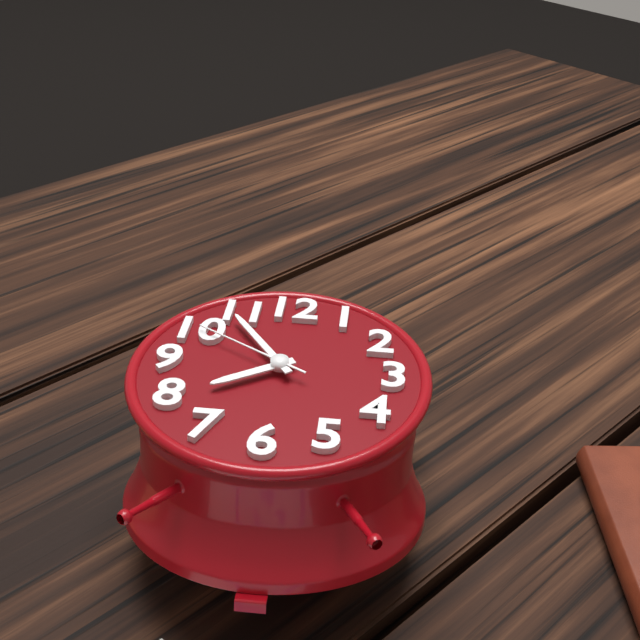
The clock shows {"hour": 7, "minute": 54, "second": 50}
